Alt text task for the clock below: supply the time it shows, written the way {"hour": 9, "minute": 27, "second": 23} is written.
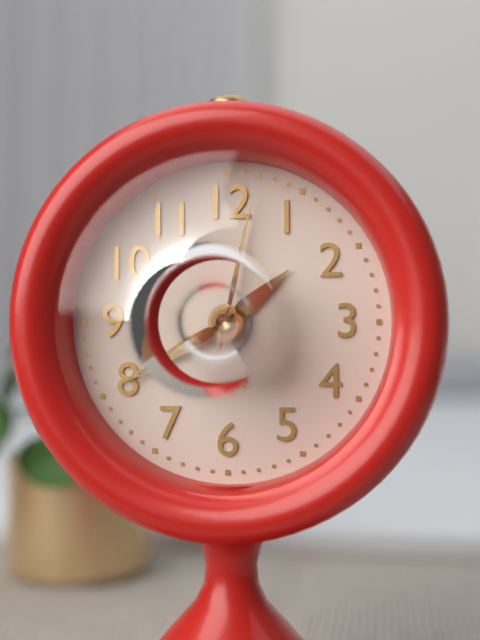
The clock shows {"hour": 1, "minute": 40, "second": 2}
